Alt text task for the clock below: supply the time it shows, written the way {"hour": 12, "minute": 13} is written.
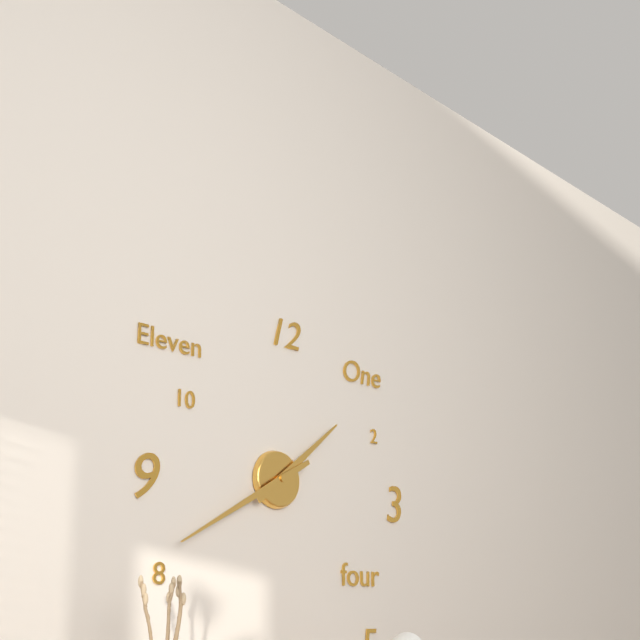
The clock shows {"hour": 1, "minute": 40}
